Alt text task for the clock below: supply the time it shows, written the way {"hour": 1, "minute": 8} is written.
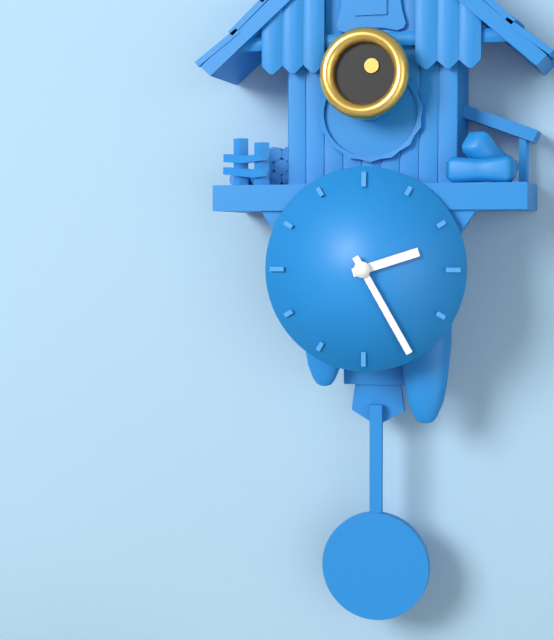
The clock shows {"hour": 2, "minute": 25}
